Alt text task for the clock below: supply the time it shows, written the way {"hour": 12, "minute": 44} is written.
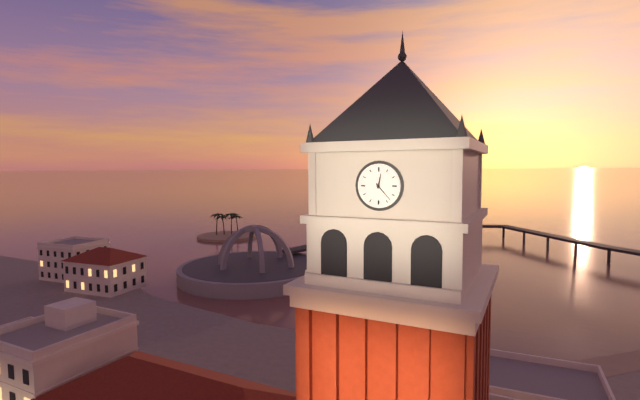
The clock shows {"hour": 12, "minute": 23}
